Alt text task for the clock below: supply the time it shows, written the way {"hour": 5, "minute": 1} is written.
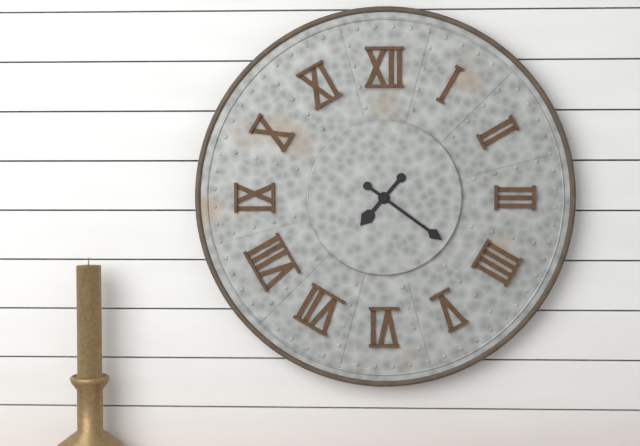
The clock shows {"hour": 7, "minute": 21}
